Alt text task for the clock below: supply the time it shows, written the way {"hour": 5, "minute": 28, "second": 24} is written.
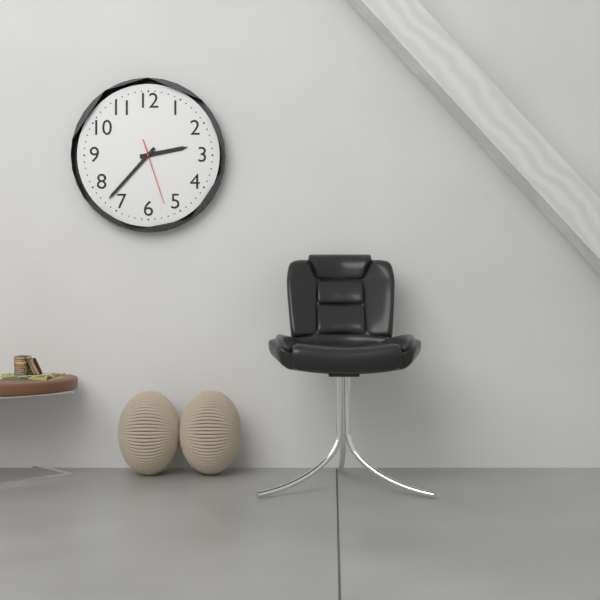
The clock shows {"hour": 2, "minute": 37, "second": 27}
